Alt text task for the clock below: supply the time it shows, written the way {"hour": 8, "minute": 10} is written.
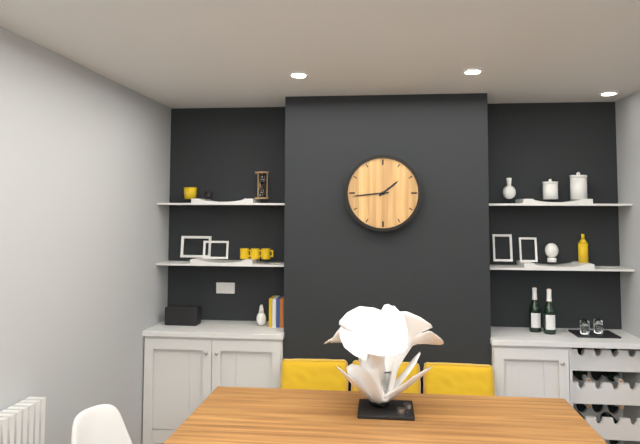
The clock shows {"hour": 1, "minute": 44}
